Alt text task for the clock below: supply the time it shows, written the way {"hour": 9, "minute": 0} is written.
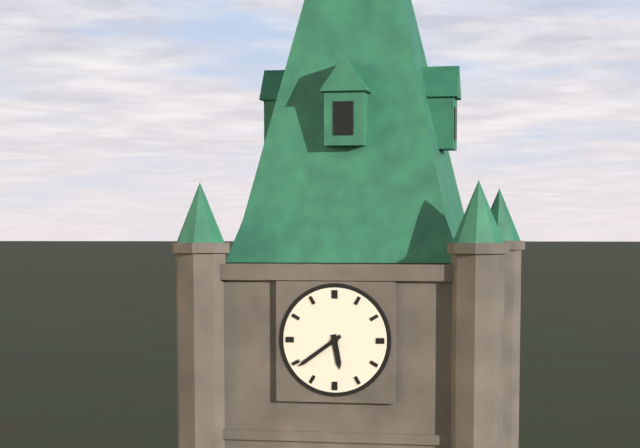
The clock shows {"hour": 5, "minute": 39}
